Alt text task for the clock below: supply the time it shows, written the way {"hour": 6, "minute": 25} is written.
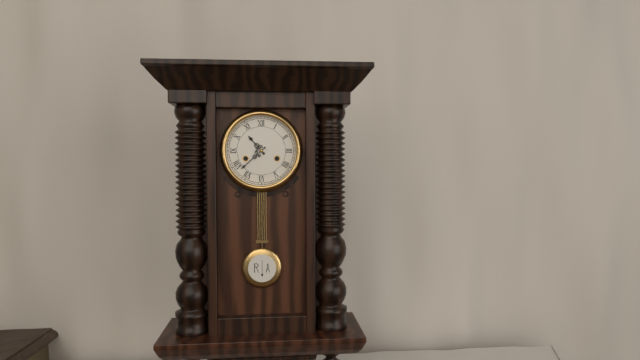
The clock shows {"hour": 10, "minute": 38}
